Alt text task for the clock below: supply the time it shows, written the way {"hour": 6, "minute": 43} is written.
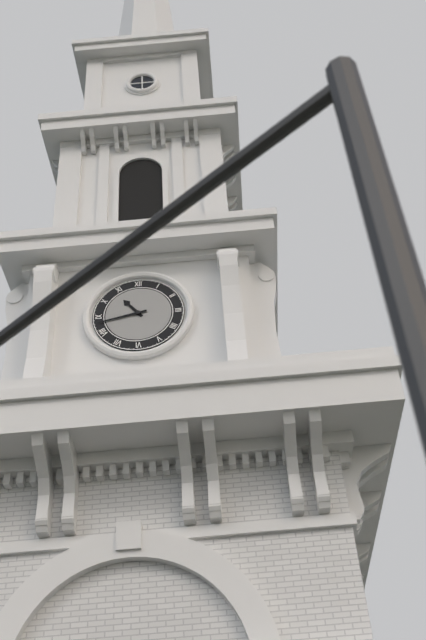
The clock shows {"hour": 10, "minute": 43}
